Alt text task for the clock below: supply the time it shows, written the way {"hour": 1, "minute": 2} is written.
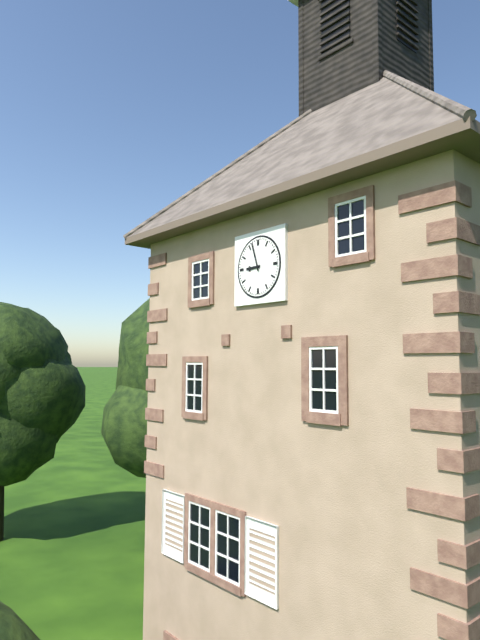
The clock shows {"hour": 8, "minute": 57}
